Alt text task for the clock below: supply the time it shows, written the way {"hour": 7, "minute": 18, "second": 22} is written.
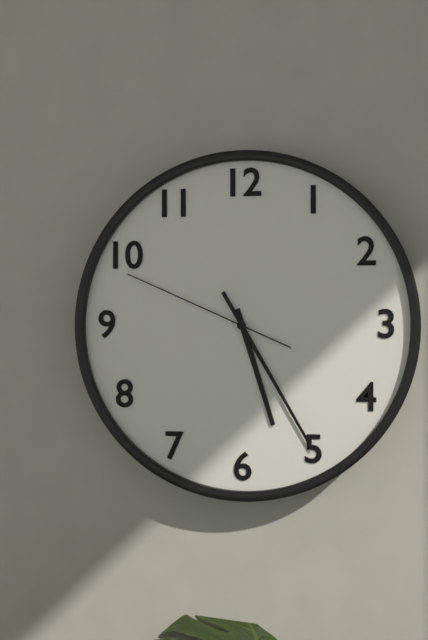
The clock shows {"hour": 5, "minute": 25, "second": 49}
